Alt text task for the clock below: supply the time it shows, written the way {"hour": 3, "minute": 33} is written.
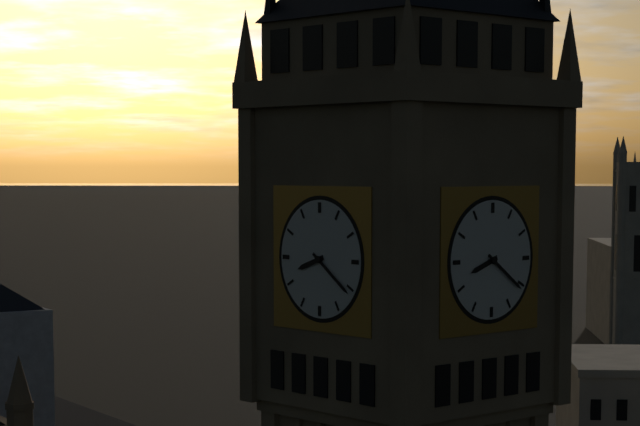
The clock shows {"hour": 8, "minute": 21}
